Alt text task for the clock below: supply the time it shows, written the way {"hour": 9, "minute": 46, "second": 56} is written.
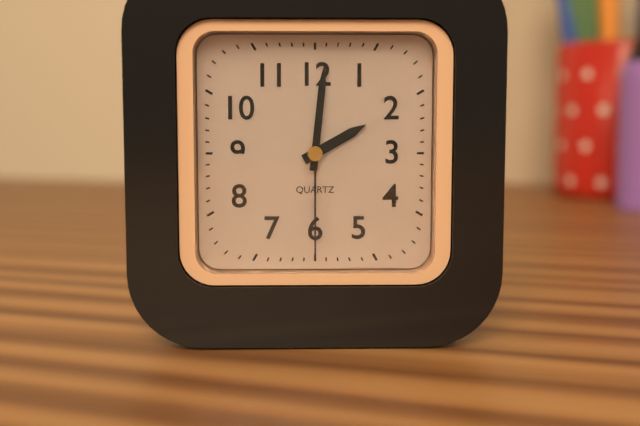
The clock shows {"hour": 2, "minute": 1, "second": 30}
